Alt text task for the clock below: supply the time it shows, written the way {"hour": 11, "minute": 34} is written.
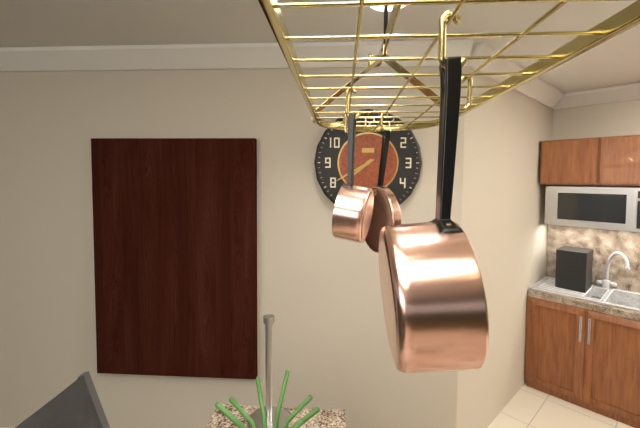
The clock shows {"hour": 7, "minute": 40}
